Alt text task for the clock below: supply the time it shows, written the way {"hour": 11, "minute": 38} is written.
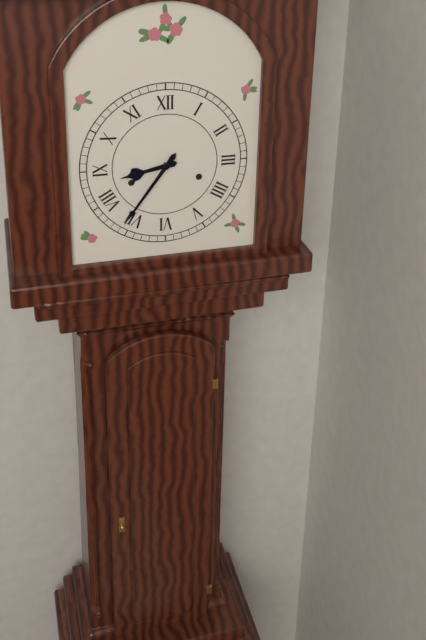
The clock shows {"hour": 8, "minute": 36}
